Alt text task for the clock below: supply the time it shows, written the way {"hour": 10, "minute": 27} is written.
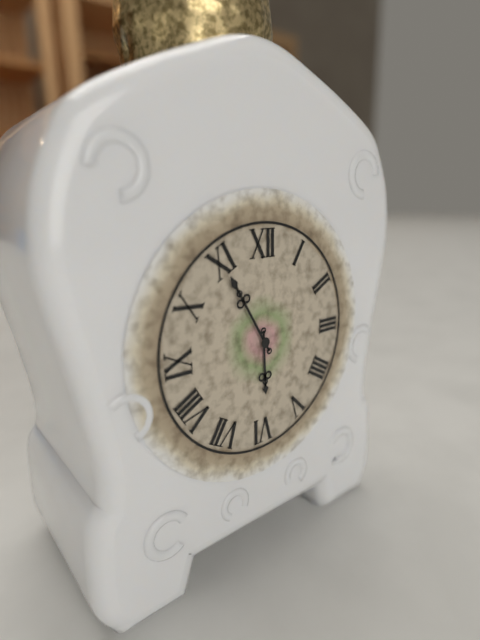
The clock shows {"hour": 5, "minute": 55}
